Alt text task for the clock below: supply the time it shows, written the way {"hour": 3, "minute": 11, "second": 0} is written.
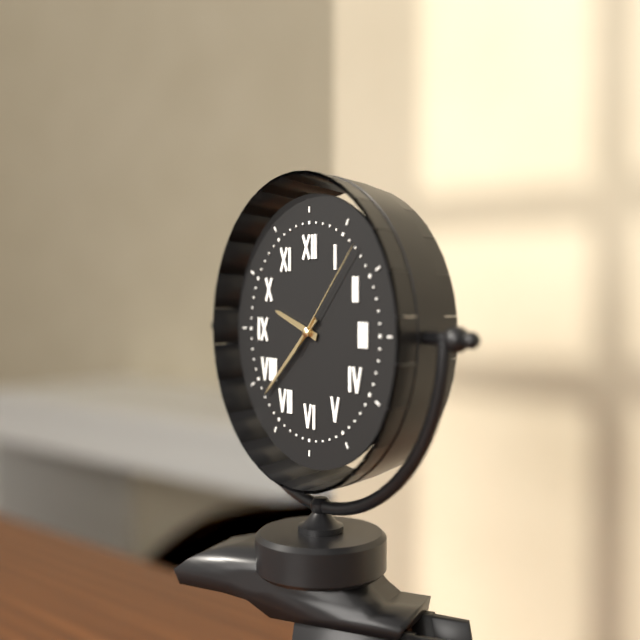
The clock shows {"hour": 9, "minute": 38, "second": 7}
